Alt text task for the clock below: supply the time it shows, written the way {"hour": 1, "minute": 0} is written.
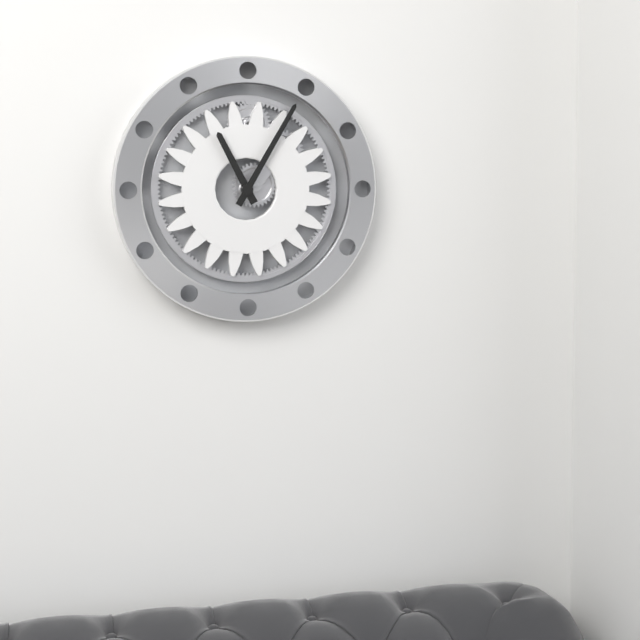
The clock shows {"hour": 11, "minute": 5}
